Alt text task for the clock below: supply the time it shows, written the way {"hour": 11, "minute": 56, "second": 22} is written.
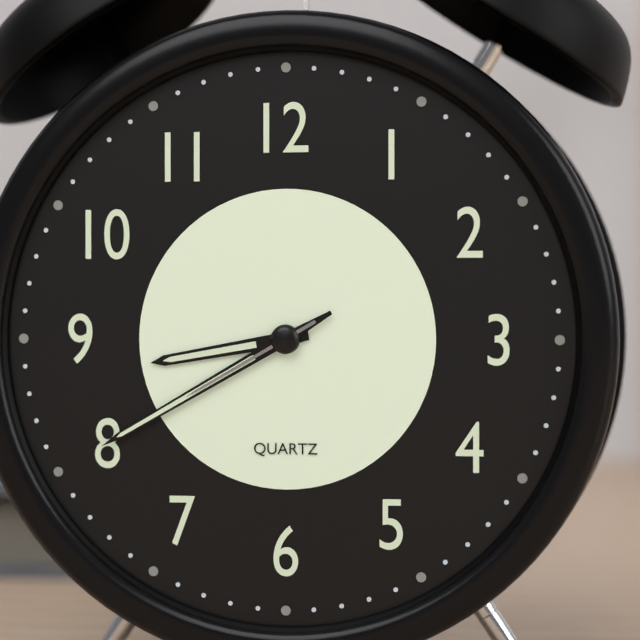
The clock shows {"hour": 8, "minute": 40, "second": 40}
